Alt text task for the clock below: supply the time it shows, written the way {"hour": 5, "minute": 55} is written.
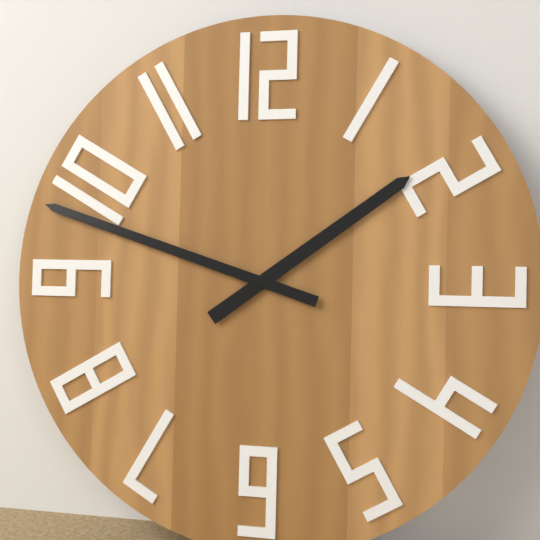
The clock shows {"hour": 1, "minute": 48}
